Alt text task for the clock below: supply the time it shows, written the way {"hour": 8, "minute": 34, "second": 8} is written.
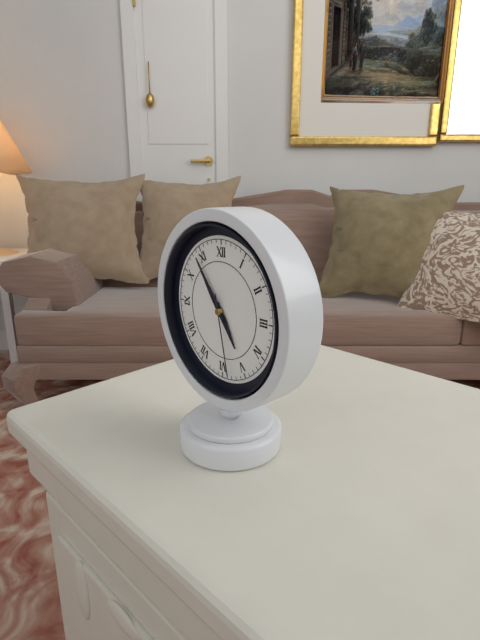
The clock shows {"hour": 4, "minute": 54, "second": 28}
